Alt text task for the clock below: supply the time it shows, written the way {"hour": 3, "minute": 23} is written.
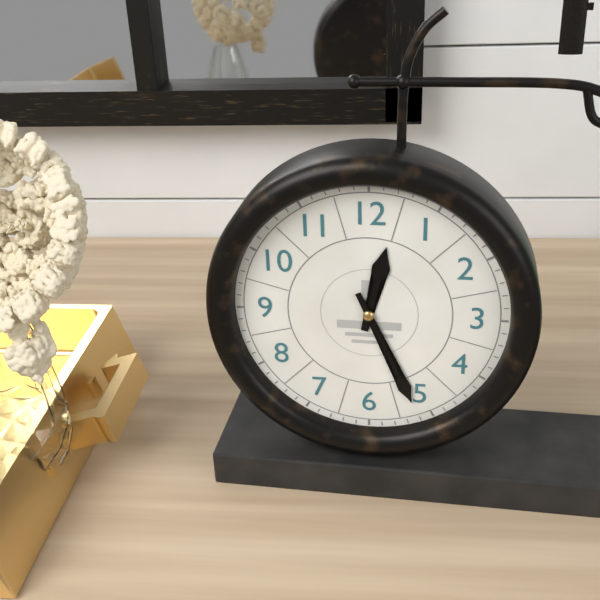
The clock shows {"hour": 12, "minute": 26}
